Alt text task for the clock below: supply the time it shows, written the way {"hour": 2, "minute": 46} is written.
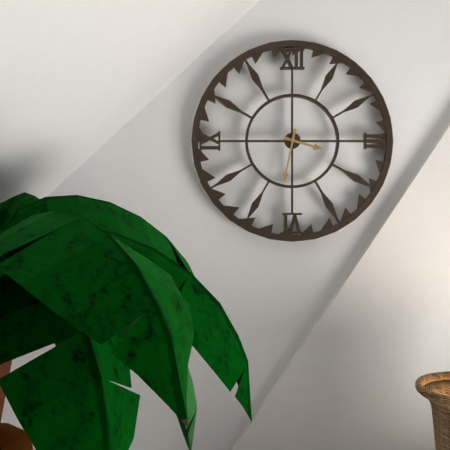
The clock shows {"hour": 3, "minute": 32}
